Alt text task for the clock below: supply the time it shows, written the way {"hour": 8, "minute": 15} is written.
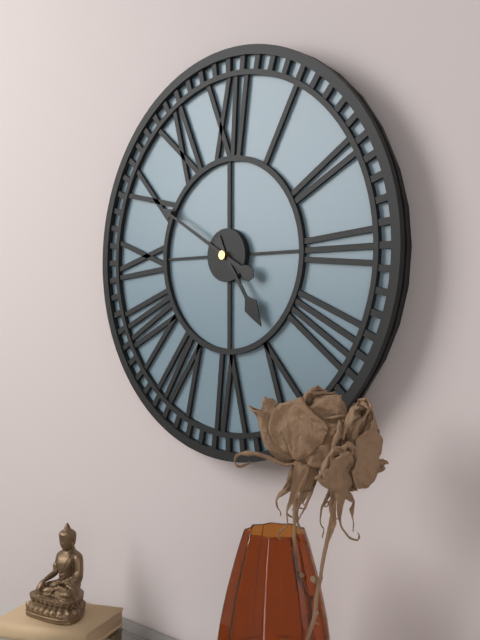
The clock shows {"hour": 4, "minute": 50}
